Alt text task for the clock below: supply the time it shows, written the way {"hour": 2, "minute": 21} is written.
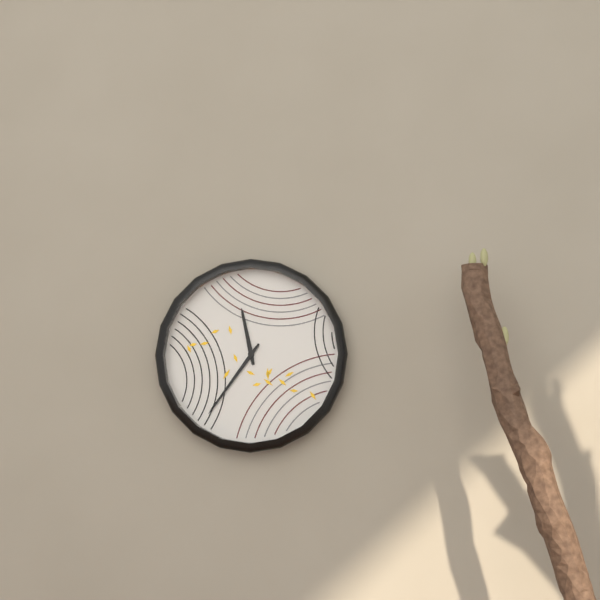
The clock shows {"hour": 11, "minute": 36}
